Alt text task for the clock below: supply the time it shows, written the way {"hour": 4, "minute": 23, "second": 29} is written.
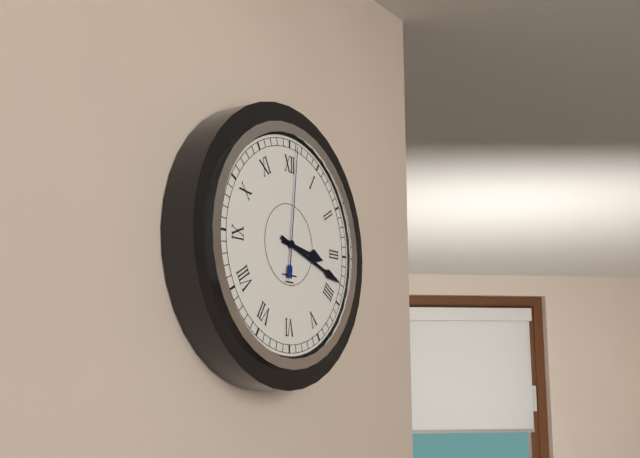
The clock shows {"hour": 3, "minute": 18, "second": 1}
